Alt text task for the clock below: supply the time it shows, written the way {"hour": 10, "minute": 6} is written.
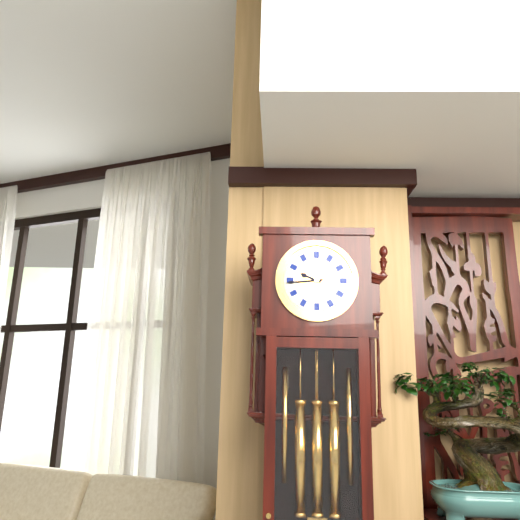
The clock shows {"hour": 9, "minute": 44}
